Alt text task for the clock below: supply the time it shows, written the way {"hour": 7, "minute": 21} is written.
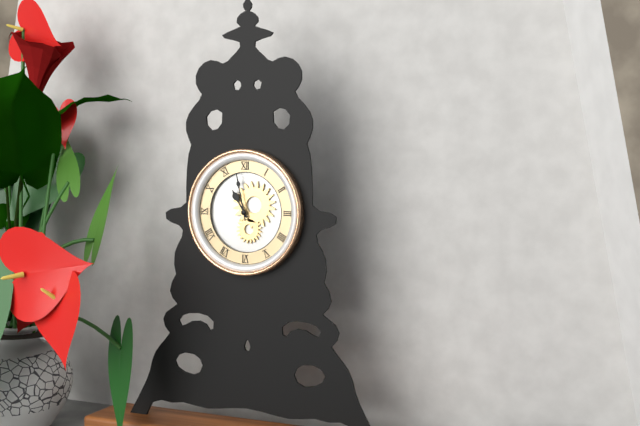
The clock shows {"hour": 10, "minute": 58}
